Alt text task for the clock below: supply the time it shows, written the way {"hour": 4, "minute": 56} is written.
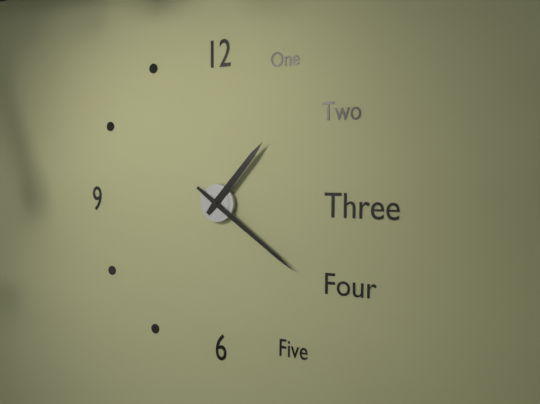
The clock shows {"hour": 1, "minute": 21}
